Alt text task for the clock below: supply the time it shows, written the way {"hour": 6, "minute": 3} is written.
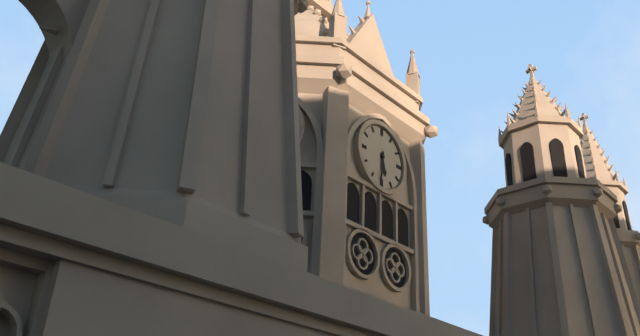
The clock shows {"hour": 5, "minute": 31}
